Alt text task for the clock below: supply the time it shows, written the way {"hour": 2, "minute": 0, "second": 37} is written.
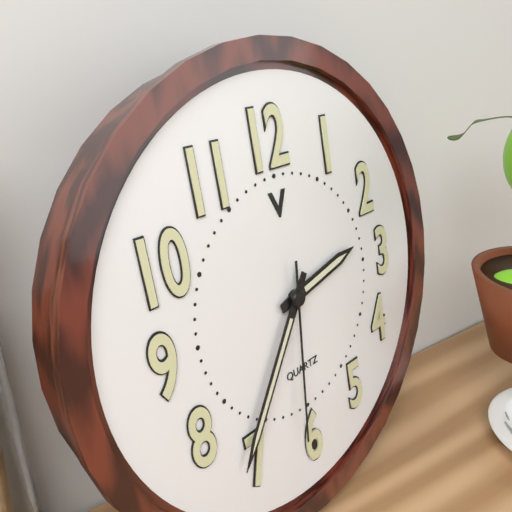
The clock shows {"hour": 2, "minute": 36, "second": 31}
